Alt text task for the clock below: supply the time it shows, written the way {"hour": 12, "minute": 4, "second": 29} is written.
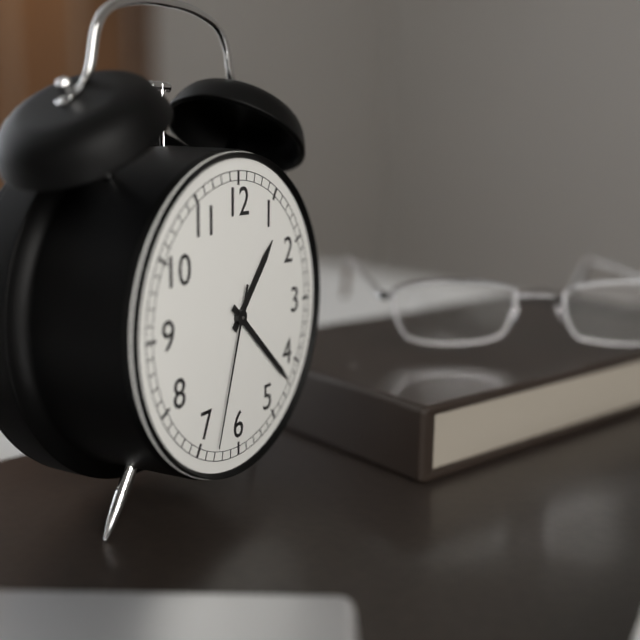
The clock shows {"hour": 1, "minute": 22, "second": 33}
